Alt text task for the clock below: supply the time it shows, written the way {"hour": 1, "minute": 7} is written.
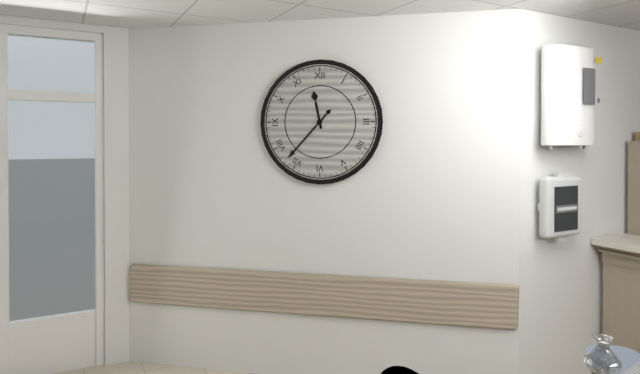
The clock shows {"hour": 11, "minute": 37}
